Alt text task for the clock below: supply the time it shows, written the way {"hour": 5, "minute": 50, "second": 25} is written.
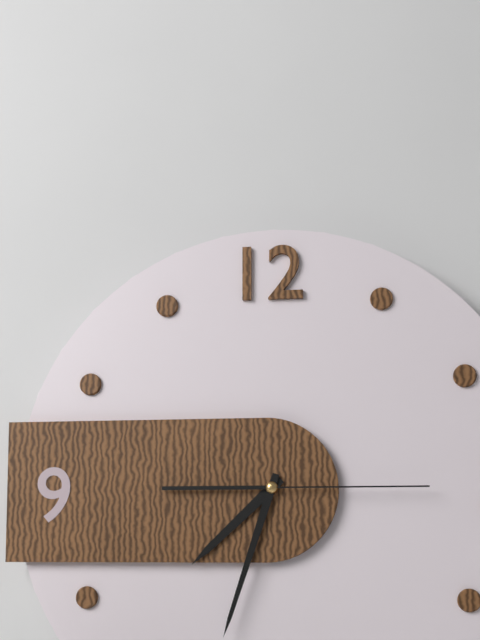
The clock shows {"hour": 7, "minute": 33, "second": 15}
